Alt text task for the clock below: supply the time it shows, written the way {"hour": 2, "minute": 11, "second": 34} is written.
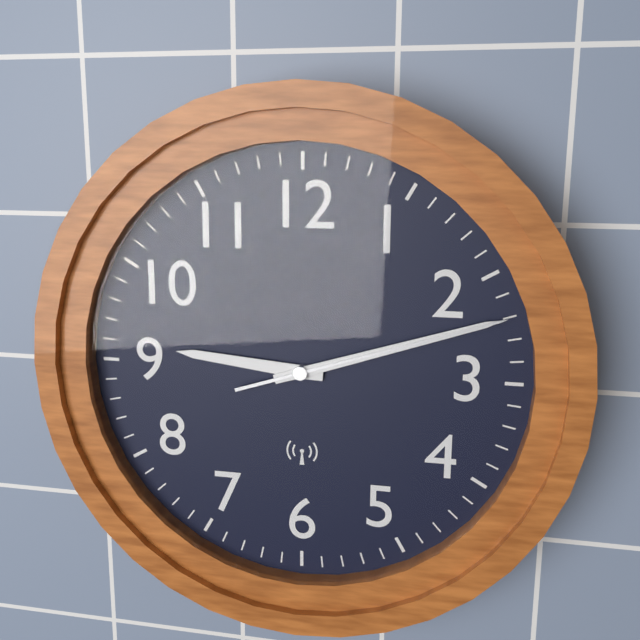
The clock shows {"hour": 9, "minute": 12, "second": 12}
